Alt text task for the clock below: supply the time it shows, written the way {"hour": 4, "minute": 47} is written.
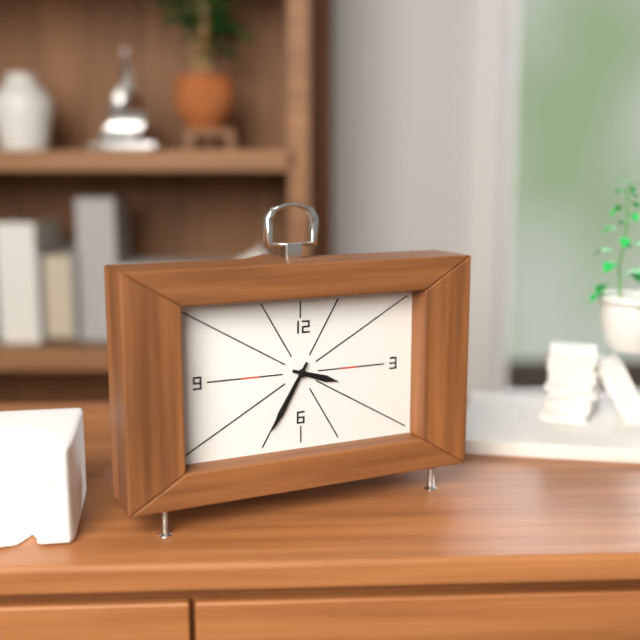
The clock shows {"hour": 3, "minute": 35}
